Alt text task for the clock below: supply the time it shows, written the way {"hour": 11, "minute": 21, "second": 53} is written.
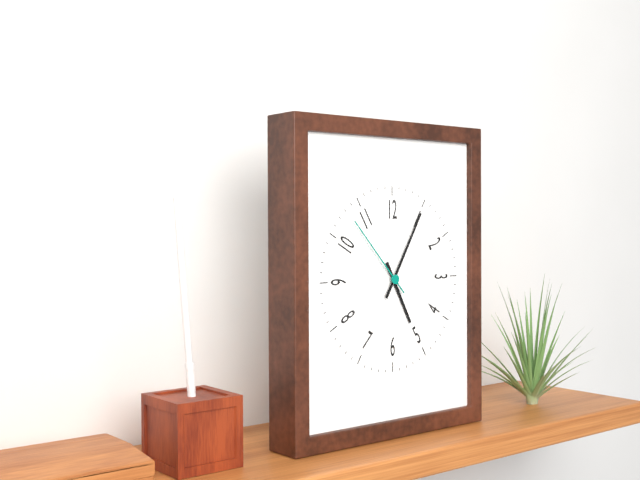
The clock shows {"hour": 5, "minute": 5, "second": 53}
